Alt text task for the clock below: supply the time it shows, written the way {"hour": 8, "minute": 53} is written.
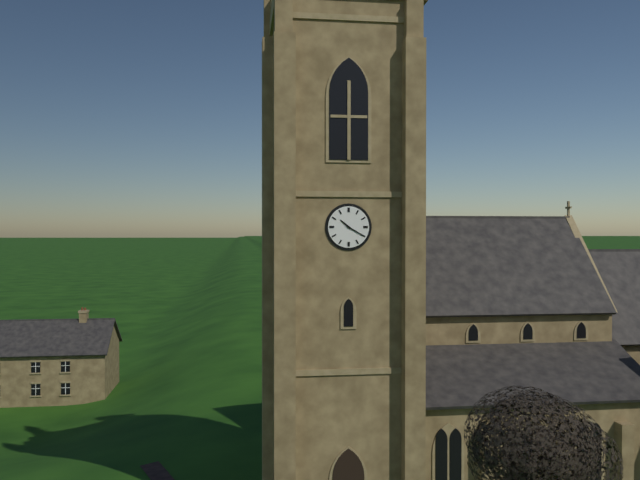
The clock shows {"hour": 10, "minute": 20}
